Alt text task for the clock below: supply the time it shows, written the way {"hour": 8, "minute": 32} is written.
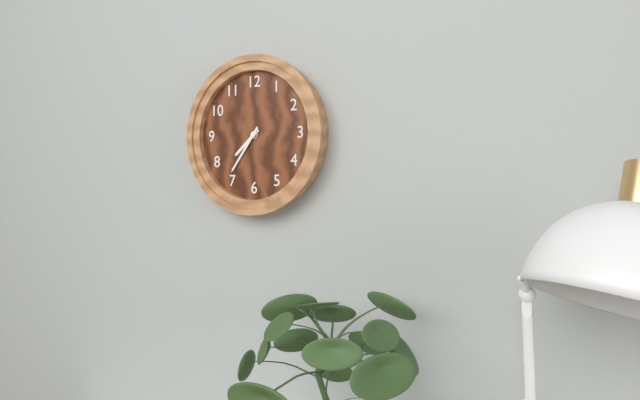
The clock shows {"hour": 7, "minute": 36}
